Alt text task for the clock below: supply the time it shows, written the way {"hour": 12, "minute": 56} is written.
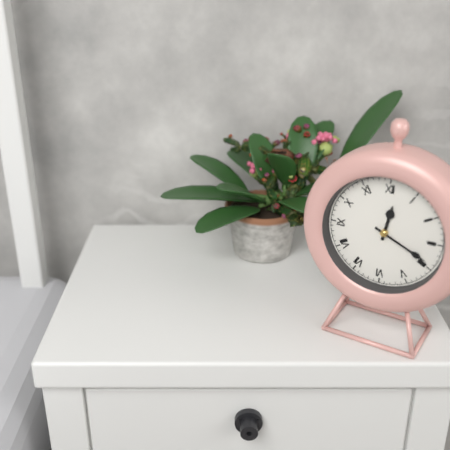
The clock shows {"hour": 12, "minute": 19}
